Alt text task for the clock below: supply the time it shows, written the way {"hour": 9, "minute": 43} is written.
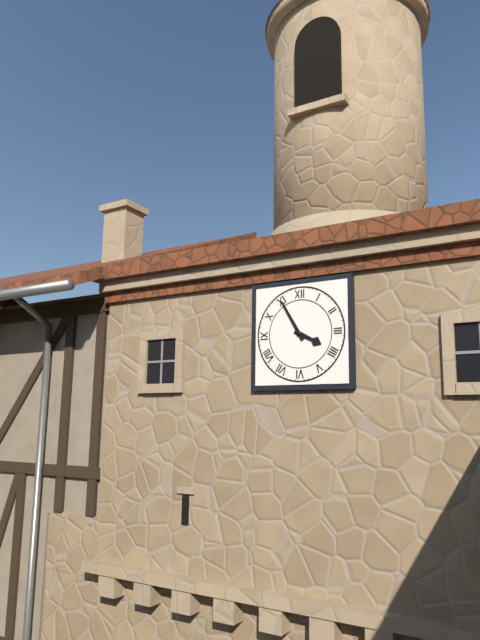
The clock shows {"hour": 3, "minute": 55}
